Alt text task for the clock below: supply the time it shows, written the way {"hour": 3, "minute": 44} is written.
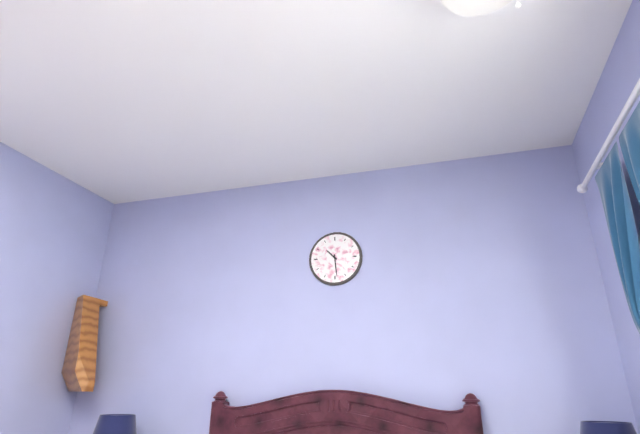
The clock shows {"hour": 10, "minute": 29}
